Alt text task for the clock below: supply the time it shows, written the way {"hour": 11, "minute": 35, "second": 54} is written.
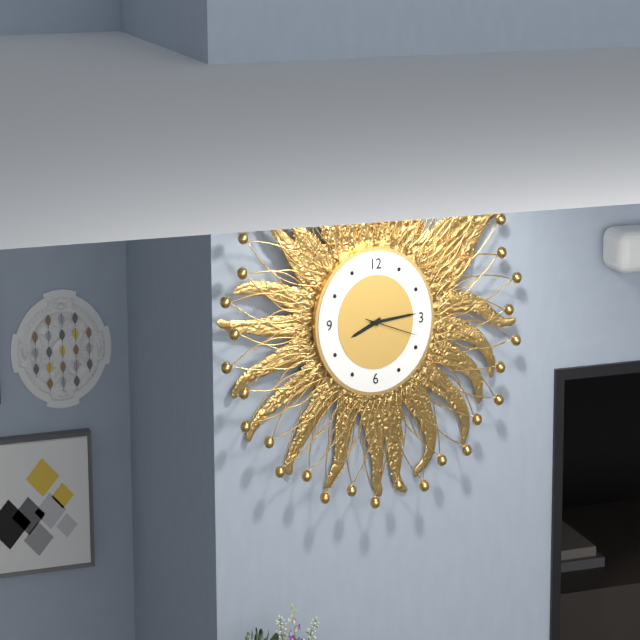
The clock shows {"hour": 8, "minute": 14, "second": 18}
